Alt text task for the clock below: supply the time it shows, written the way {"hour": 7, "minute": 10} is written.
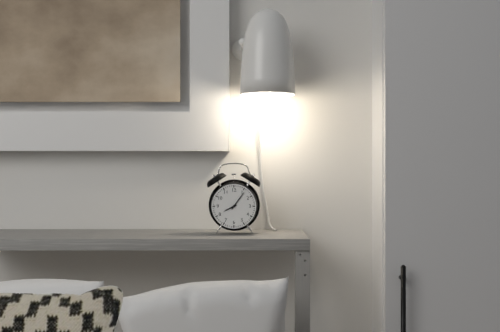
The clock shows {"hour": 8, "minute": 6}
